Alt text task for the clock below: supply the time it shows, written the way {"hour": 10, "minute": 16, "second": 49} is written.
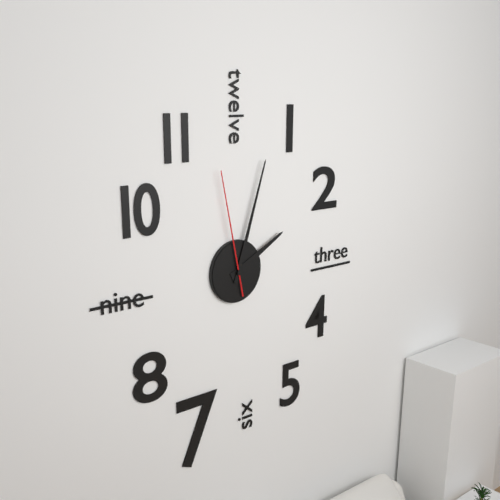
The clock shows {"hour": 2, "minute": 3, "second": 58}
